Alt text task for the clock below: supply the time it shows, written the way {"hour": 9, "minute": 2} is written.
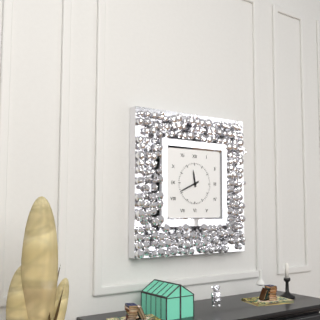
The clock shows {"hour": 11, "minute": 41}
